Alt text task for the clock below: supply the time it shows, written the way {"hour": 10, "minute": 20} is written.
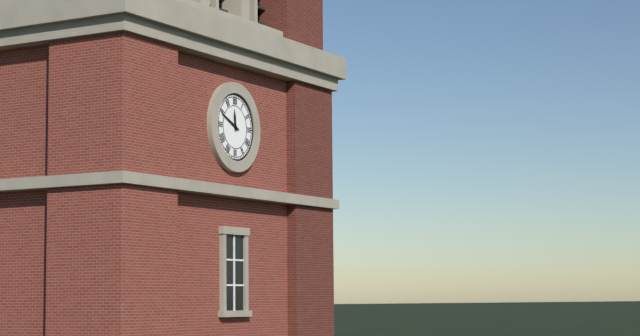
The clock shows {"hour": 11, "minute": 49}
